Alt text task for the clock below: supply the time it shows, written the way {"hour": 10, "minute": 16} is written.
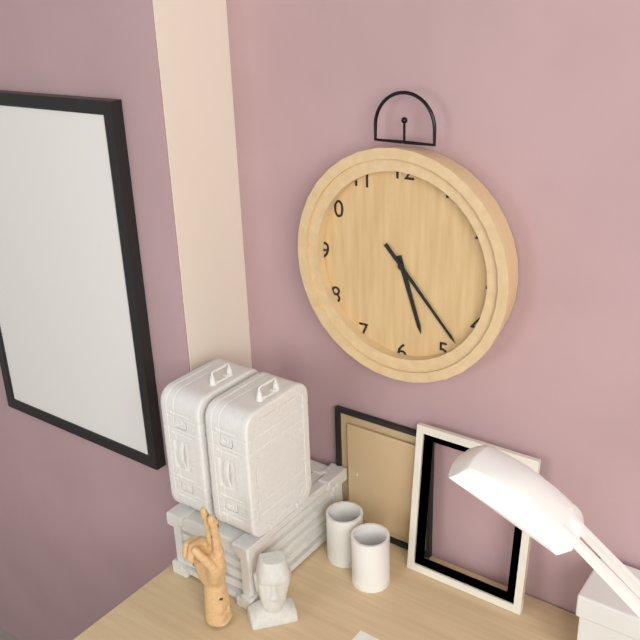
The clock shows {"hour": 5, "minute": 23}
